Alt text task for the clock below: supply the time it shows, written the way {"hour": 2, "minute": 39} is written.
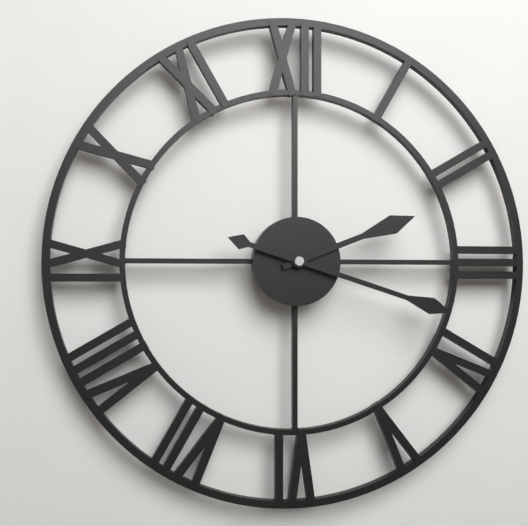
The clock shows {"hour": 2, "minute": 18}
